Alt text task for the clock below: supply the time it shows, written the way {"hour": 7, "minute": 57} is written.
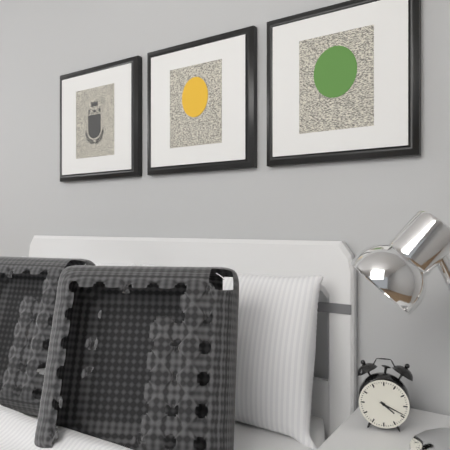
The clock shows {"hour": 4, "minute": 19}
